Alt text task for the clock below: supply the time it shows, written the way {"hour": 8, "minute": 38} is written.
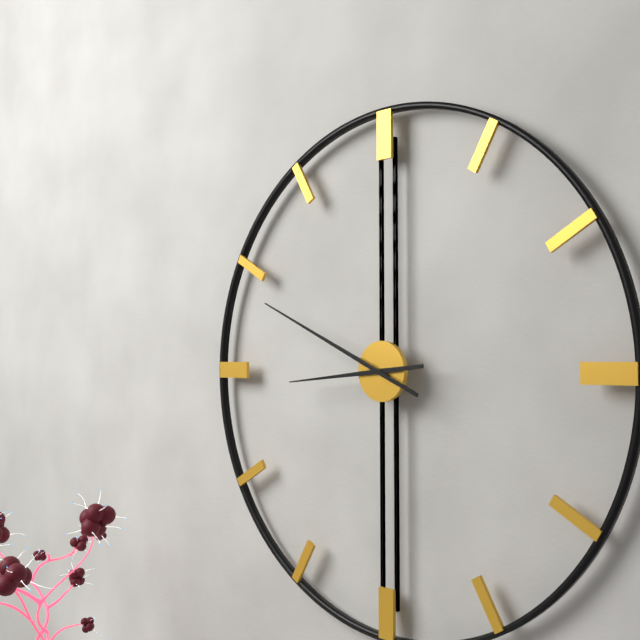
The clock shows {"hour": 8, "minute": 49}
